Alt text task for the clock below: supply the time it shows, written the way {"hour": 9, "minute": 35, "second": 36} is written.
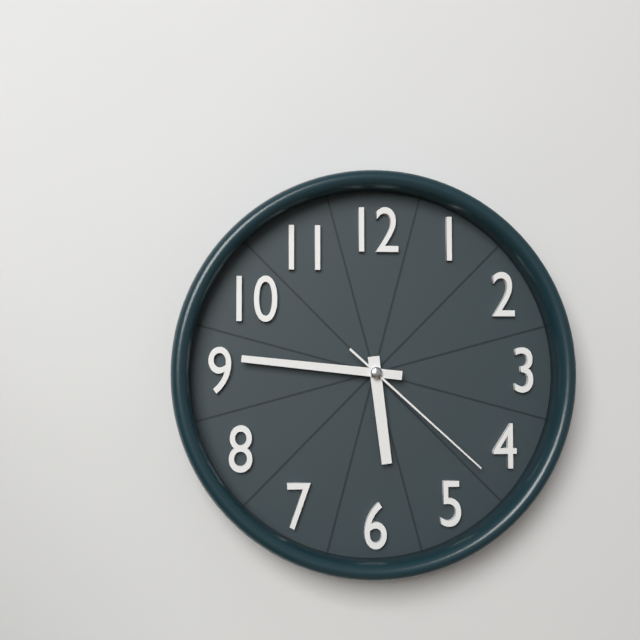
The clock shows {"hour": 5, "minute": 46, "second": 22}
